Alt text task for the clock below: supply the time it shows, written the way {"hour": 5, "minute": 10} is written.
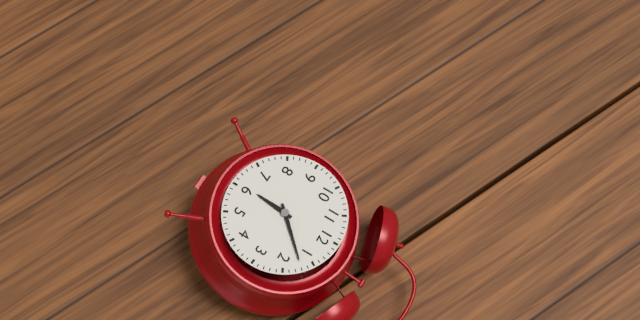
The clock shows {"hour": 6, "minute": 7}
